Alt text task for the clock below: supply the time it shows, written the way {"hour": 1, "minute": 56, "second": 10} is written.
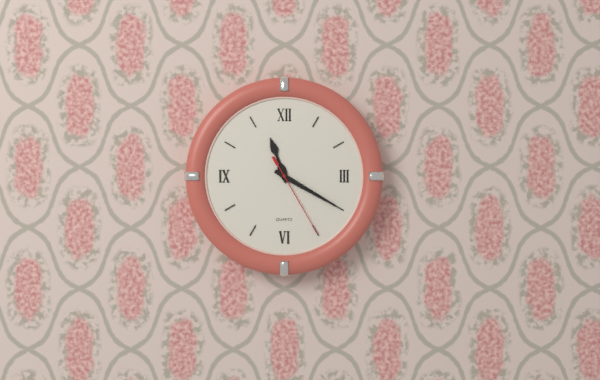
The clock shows {"hour": 11, "minute": 20, "second": 25}
